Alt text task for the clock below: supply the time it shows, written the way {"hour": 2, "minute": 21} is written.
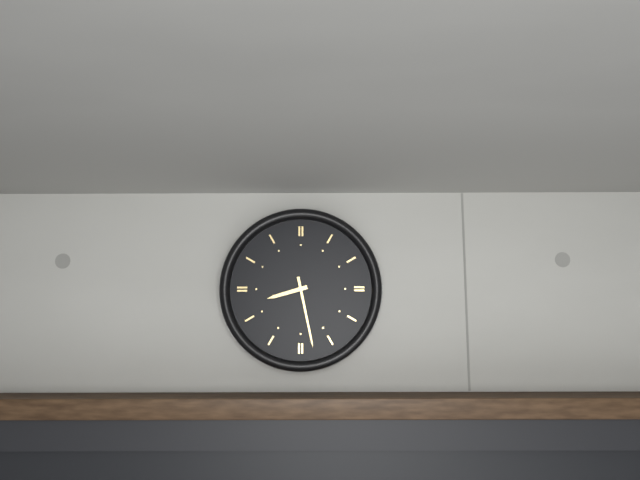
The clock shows {"hour": 8, "minute": 28}
